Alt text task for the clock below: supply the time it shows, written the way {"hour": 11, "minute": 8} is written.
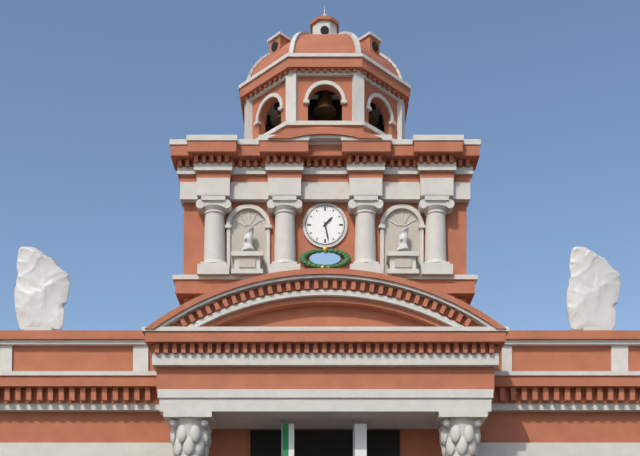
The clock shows {"hour": 1, "minute": 28}
